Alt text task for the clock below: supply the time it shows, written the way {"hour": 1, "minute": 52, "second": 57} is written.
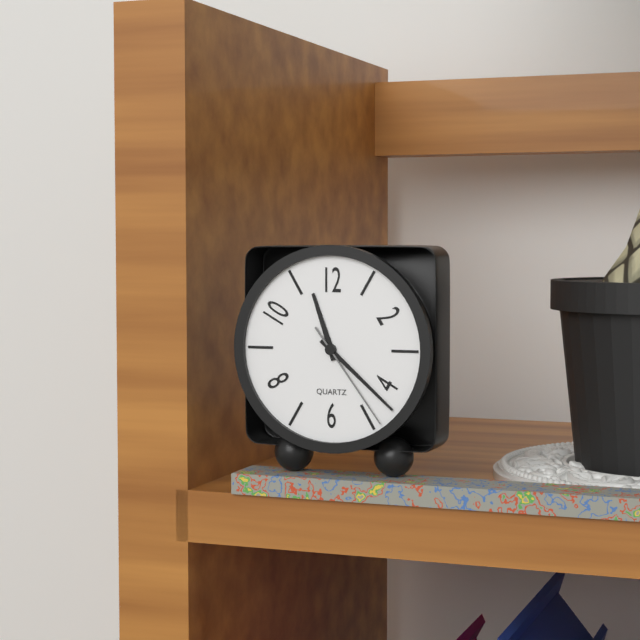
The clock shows {"hour": 11, "minute": 22, "second": 24}
